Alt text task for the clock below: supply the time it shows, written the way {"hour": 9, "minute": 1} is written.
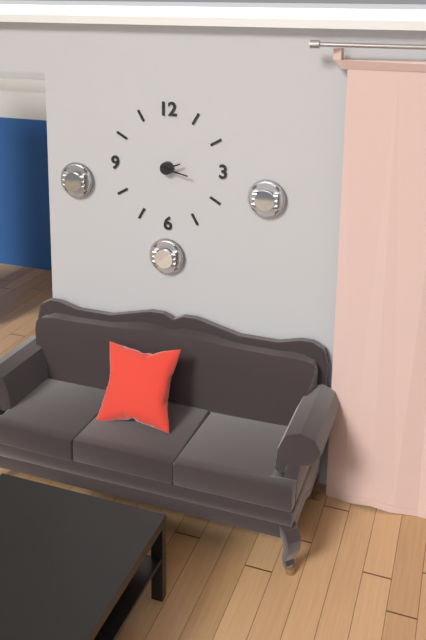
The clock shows {"hour": 2, "minute": 17}
